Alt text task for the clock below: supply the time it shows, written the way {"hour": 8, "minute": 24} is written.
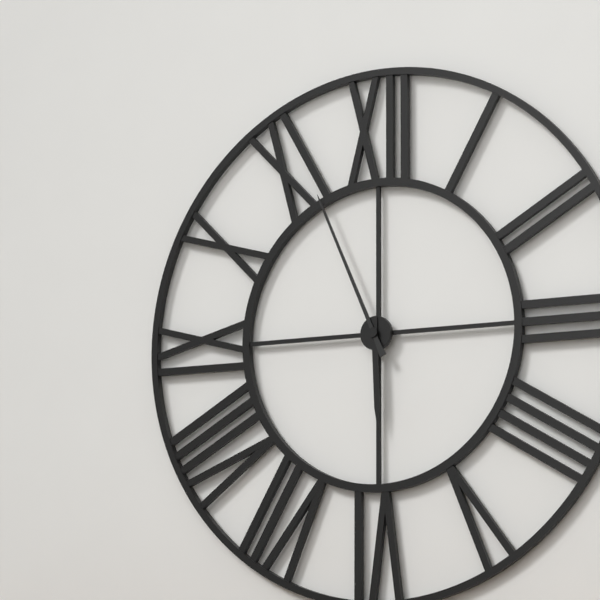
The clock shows {"hour": 5, "minute": 56}
